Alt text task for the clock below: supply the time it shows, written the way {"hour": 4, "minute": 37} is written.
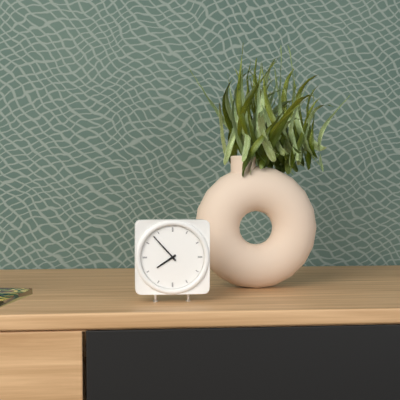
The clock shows {"hour": 7, "minute": 53}
